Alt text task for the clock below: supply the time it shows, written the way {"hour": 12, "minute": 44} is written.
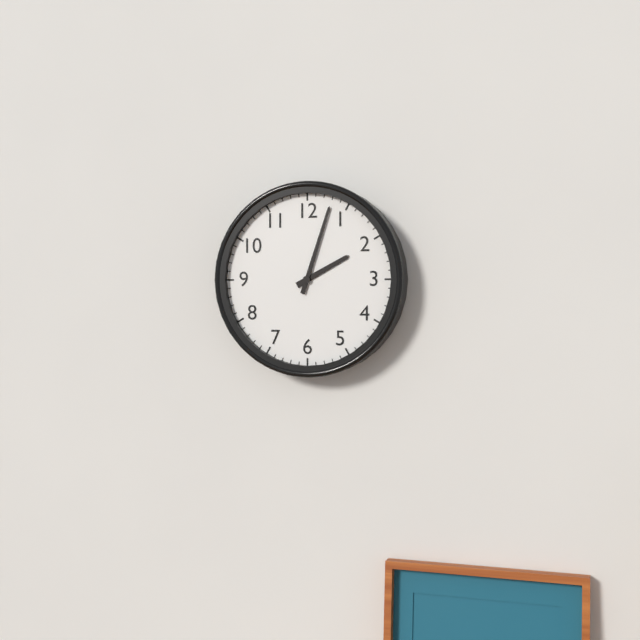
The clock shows {"hour": 2, "minute": 3}
